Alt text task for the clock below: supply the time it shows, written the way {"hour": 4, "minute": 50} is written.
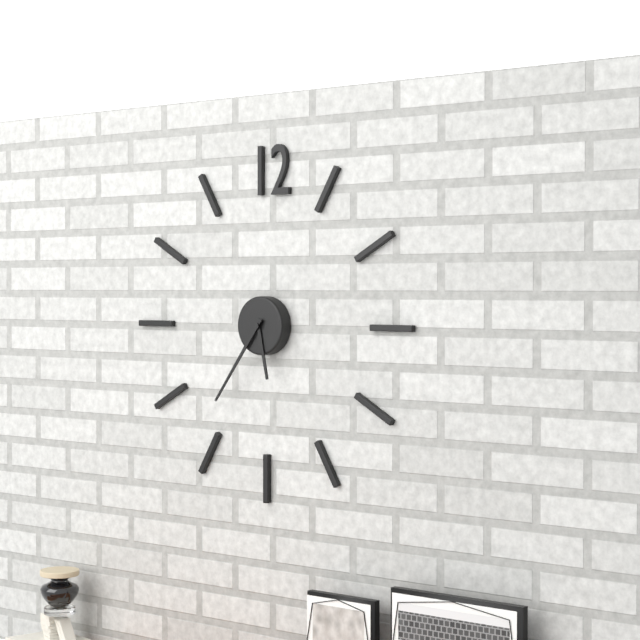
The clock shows {"hour": 5, "minute": 36}
